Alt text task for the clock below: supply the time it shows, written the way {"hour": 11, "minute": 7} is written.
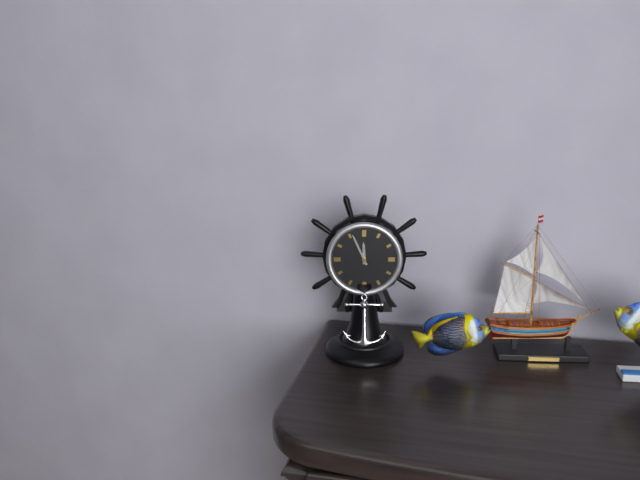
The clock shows {"hour": 11, "minute": 56}
